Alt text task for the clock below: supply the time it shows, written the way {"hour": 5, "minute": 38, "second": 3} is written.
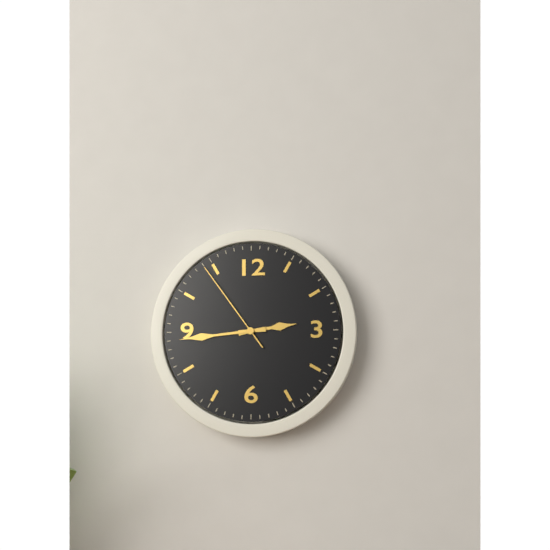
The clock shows {"hour": 2, "minute": 44, "second": 54}
